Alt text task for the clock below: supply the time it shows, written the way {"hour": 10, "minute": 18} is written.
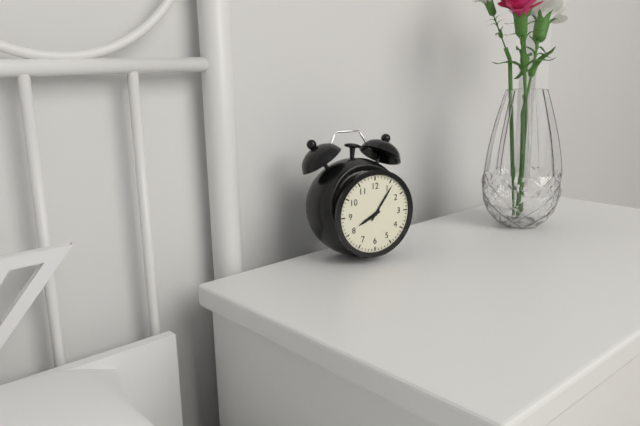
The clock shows {"hour": 8, "minute": 6}
